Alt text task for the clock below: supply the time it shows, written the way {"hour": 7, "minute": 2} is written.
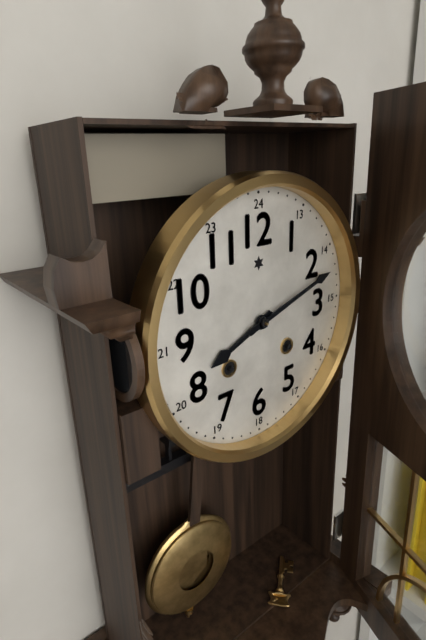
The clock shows {"hour": 8, "minute": 12}
